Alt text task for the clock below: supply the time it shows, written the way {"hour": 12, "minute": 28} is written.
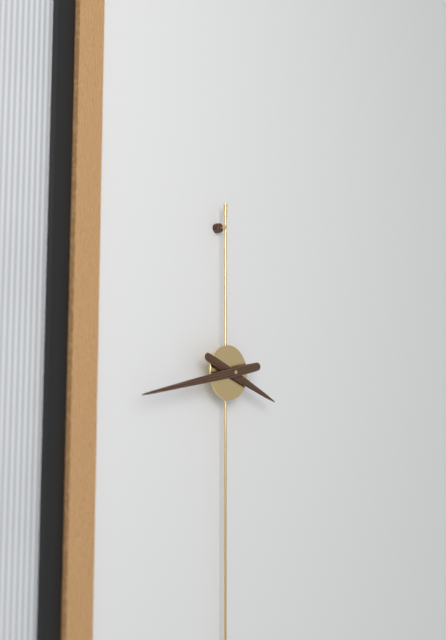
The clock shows {"hour": 3, "minute": 43}
